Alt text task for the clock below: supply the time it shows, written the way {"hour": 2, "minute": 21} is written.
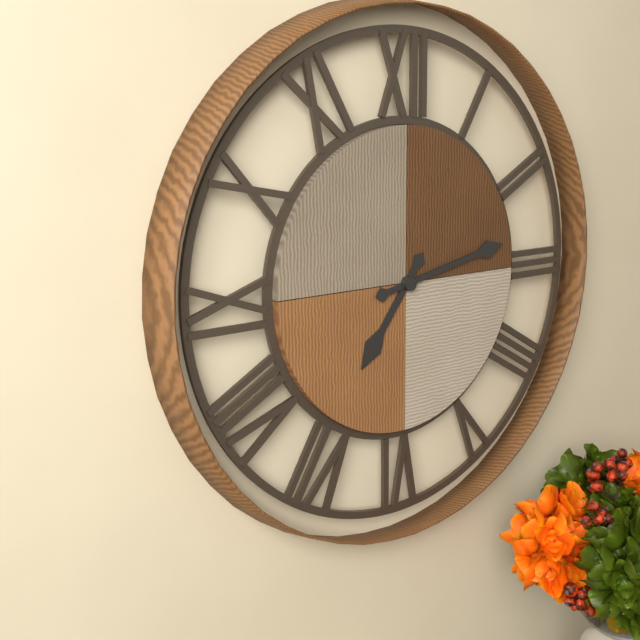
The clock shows {"hour": 7, "minute": 13}
